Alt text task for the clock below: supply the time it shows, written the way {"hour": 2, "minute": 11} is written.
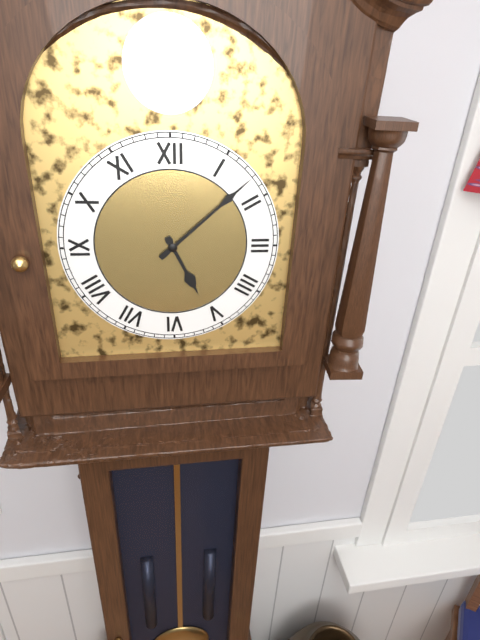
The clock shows {"hour": 5, "minute": 8}
